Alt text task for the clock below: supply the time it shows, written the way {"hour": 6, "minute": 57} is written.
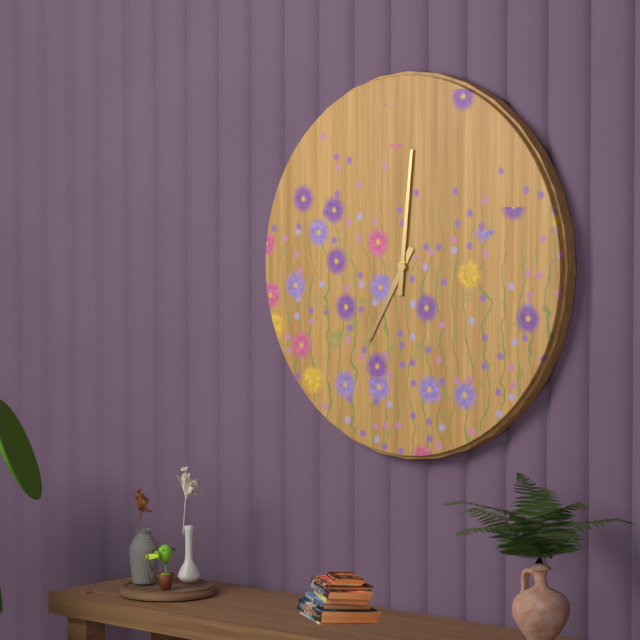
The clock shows {"hour": 7, "minute": 1}
